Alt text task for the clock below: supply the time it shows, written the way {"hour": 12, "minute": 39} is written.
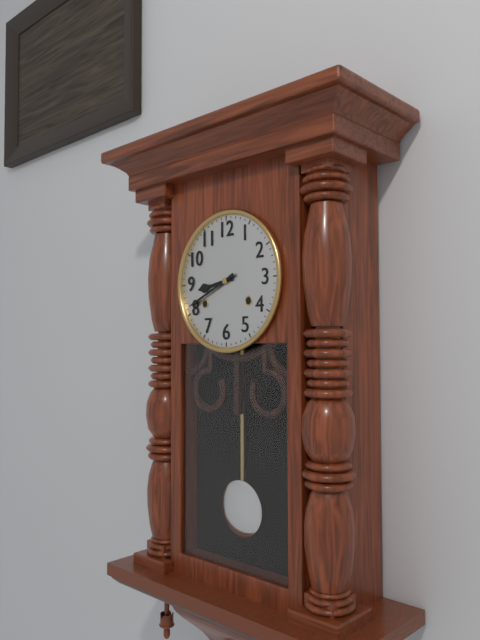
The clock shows {"hour": 8, "minute": 41}
